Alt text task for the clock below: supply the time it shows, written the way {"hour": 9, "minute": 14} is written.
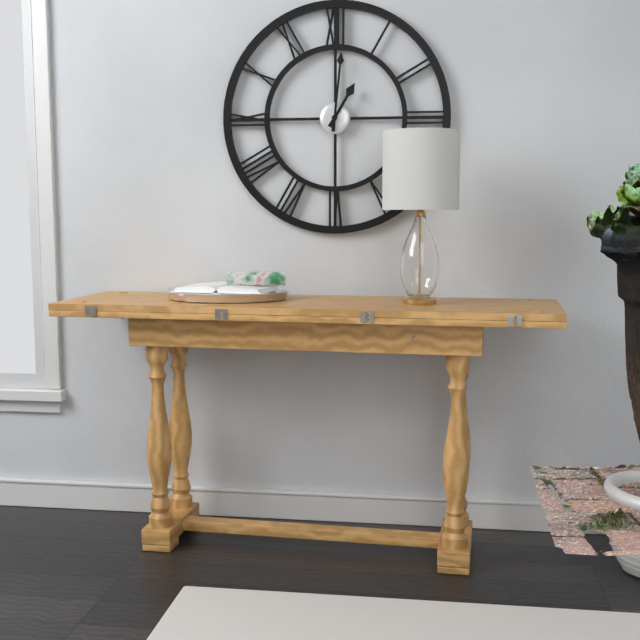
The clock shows {"hour": 1, "minute": 1}
